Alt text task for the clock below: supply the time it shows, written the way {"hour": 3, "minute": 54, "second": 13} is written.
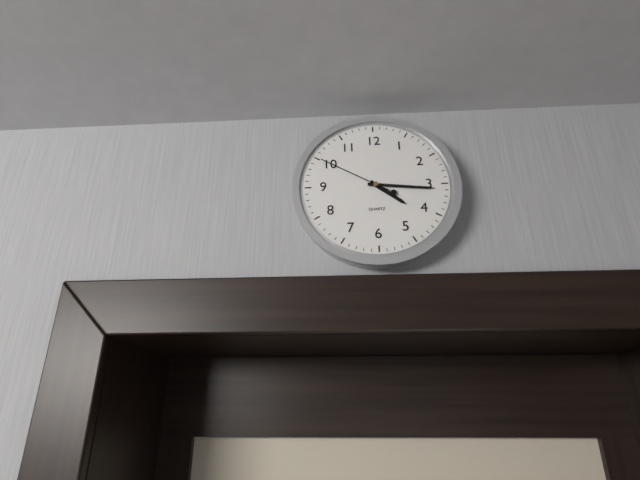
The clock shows {"hour": 4, "minute": 16, "second": 50}
